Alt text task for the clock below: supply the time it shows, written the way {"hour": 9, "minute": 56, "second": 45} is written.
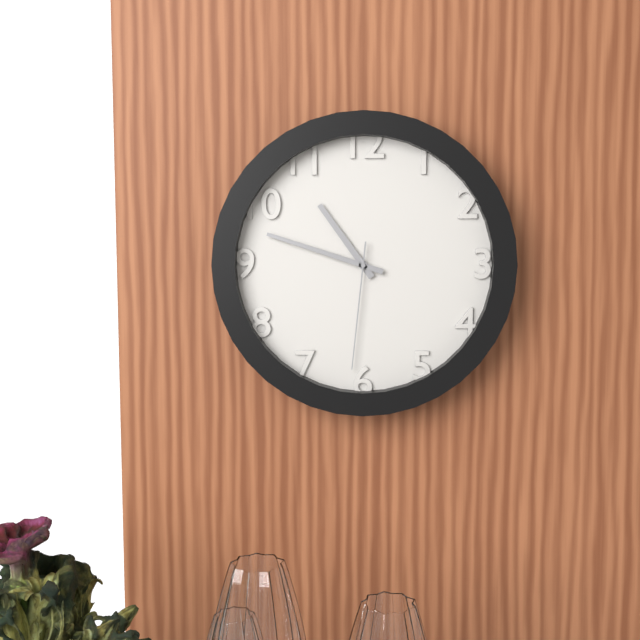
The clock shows {"hour": 10, "minute": 48, "second": 31}
